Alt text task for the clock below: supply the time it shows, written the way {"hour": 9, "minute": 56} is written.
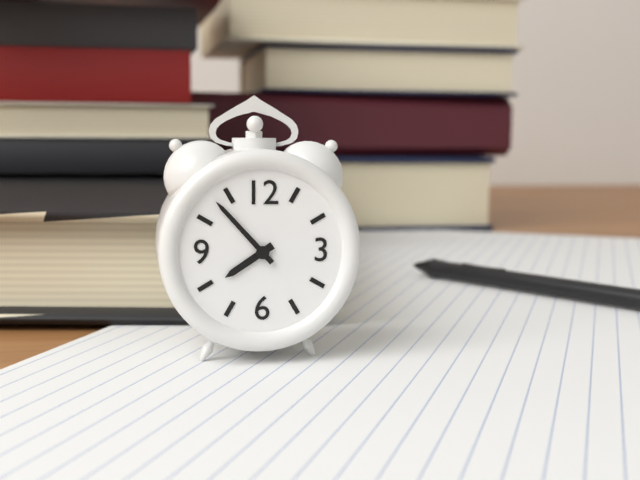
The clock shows {"hour": 7, "minute": 53}
